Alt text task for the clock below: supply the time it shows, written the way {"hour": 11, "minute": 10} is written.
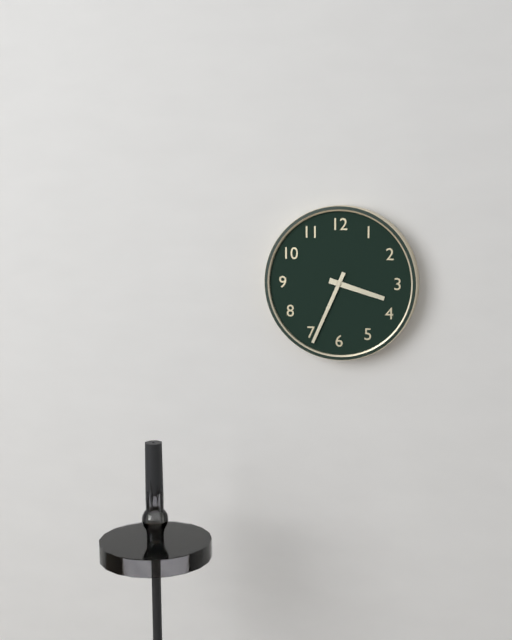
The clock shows {"hour": 3, "minute": 34}
